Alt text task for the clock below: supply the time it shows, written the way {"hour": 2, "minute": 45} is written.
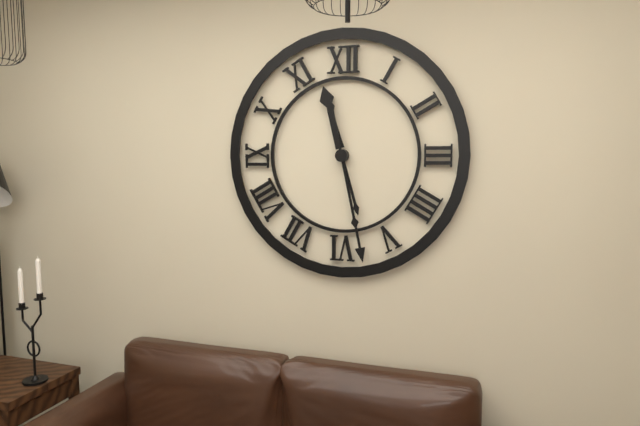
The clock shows {"hour": 11, "minute": 28}
